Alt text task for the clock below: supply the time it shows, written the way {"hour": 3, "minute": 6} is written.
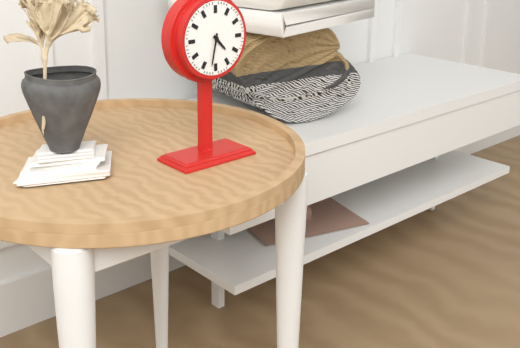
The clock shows {"hour": 4, "minute": 32}
